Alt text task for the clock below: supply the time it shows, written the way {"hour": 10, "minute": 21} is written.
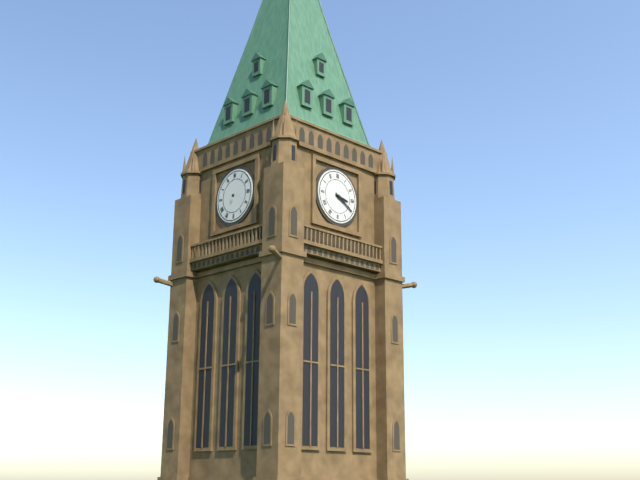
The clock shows {"hour": 3, "minute": 20}
